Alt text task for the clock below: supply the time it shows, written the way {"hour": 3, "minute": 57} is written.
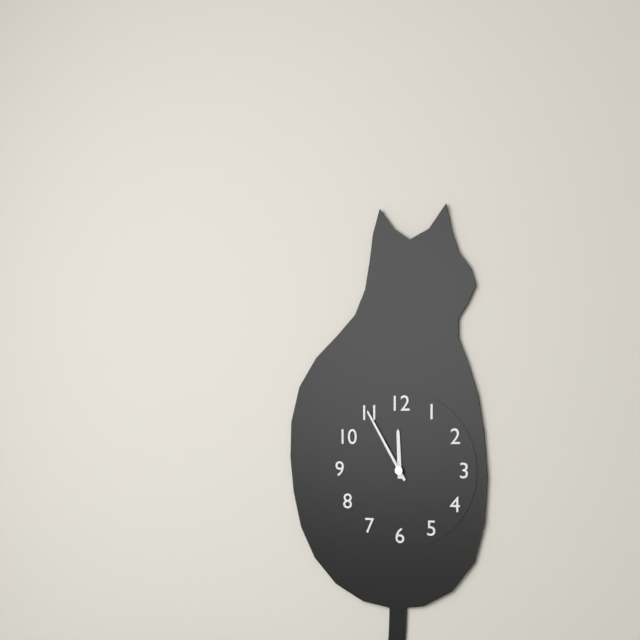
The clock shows {"hour": 11, "minute": 55}
